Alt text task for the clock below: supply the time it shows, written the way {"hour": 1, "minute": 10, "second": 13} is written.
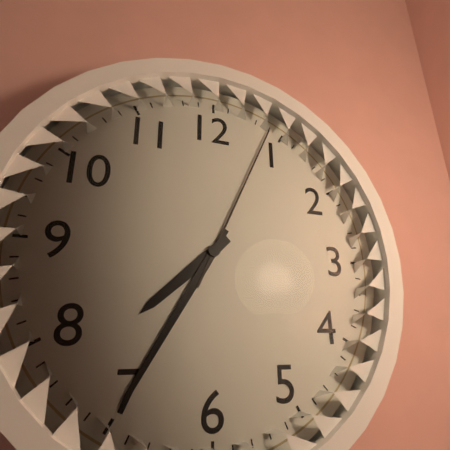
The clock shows {"hour": 7, "minute": 35, "second": 4}
